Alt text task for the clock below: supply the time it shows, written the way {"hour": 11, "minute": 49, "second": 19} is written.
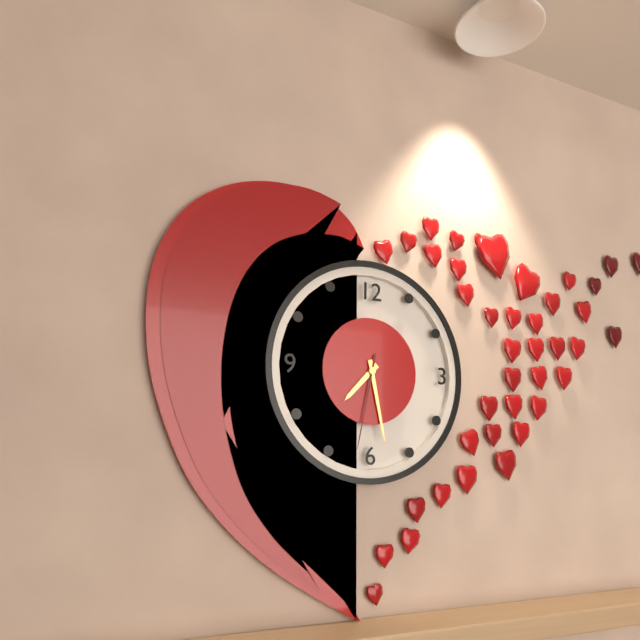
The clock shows {"hour": 7, "minute": 28, "second": 32}
